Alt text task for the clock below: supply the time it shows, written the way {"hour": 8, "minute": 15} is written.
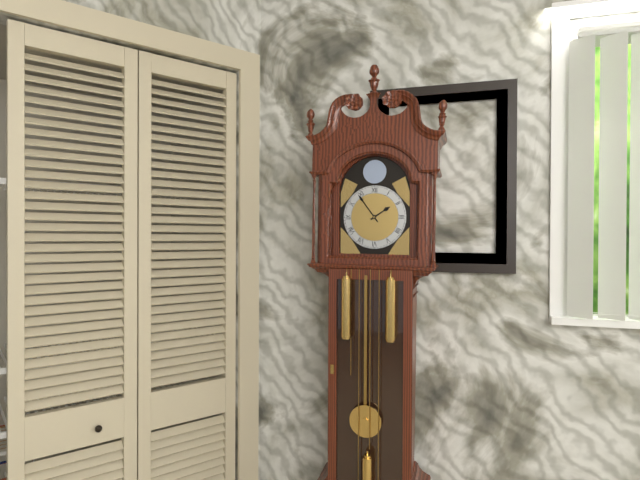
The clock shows {"hour": 1, "minute": 54}
